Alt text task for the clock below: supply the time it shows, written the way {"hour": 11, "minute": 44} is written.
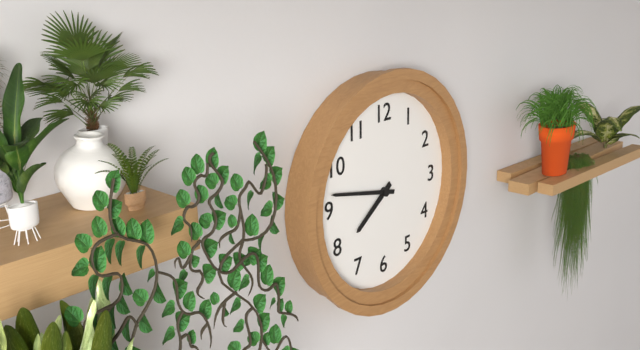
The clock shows {"hour": 7, "minute": 47}
